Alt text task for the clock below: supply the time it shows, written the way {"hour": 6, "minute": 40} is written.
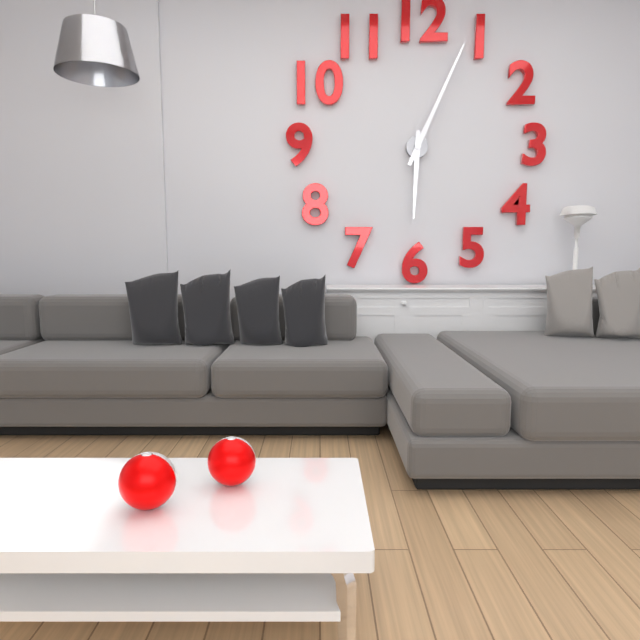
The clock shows {"hour": 6, "minute": 4}
